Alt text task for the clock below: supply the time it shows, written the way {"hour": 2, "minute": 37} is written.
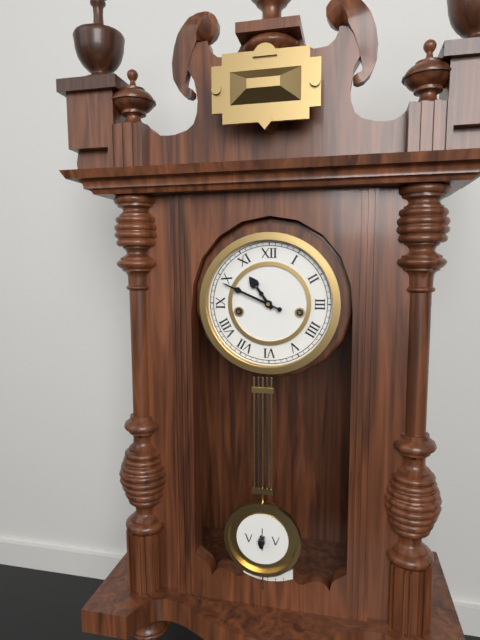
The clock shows {"hour": 10, "minute": 49}
